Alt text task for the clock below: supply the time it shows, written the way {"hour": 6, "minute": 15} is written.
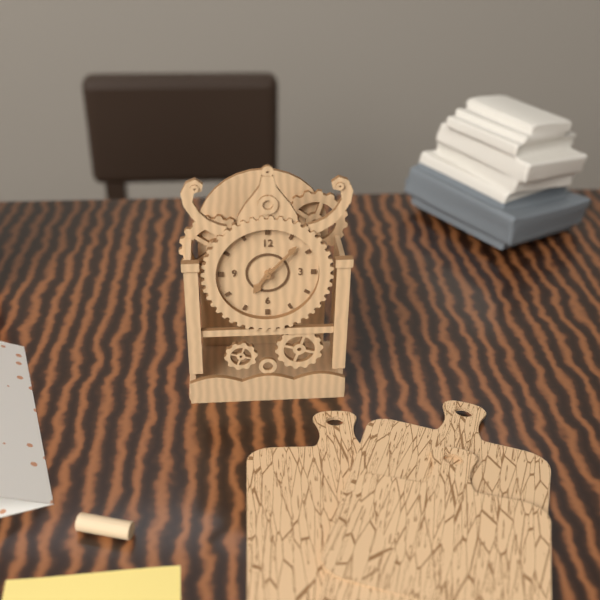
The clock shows {"hour": 7, "minute": 7}
